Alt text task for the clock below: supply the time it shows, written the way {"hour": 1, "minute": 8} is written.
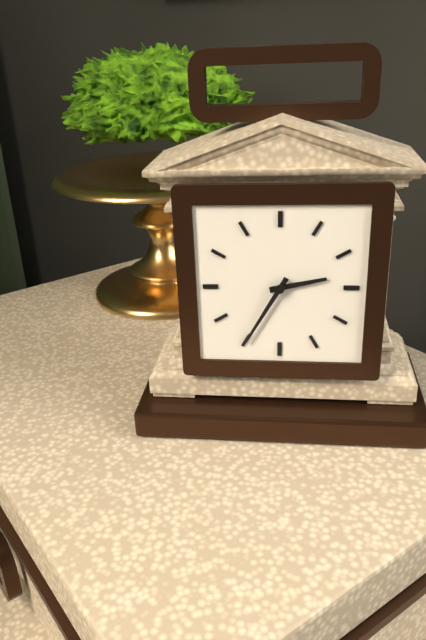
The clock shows {"hour": 2, "minute": 35}
